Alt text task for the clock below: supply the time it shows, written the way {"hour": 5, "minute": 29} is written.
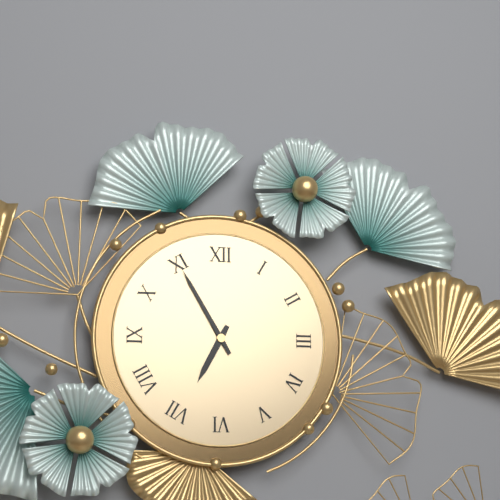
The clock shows {"hour": 6, "minute": 55}
